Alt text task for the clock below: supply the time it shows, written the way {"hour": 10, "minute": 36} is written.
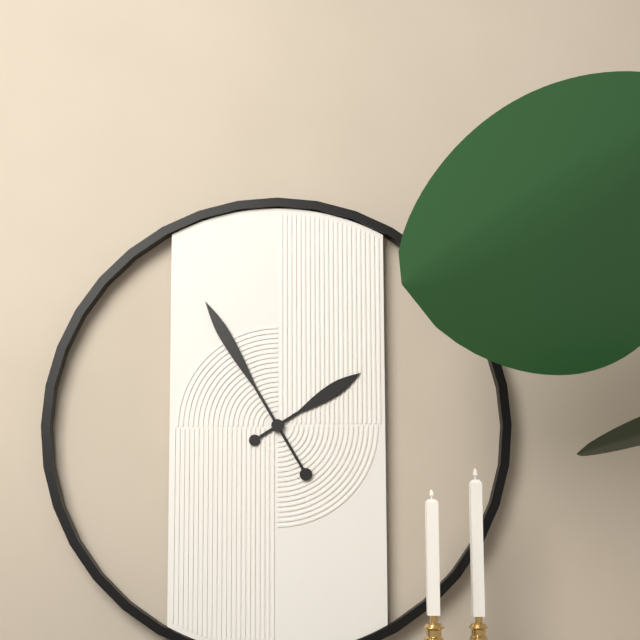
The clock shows {"hour": 1, "minute": 55}
